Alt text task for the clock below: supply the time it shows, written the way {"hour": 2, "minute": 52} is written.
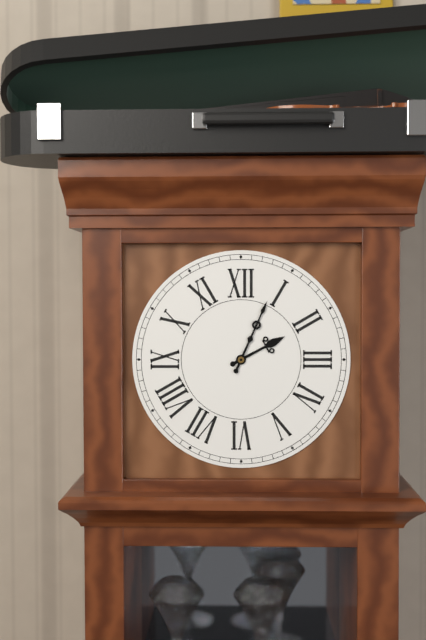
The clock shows {"hour": 2, "minute": 4}
